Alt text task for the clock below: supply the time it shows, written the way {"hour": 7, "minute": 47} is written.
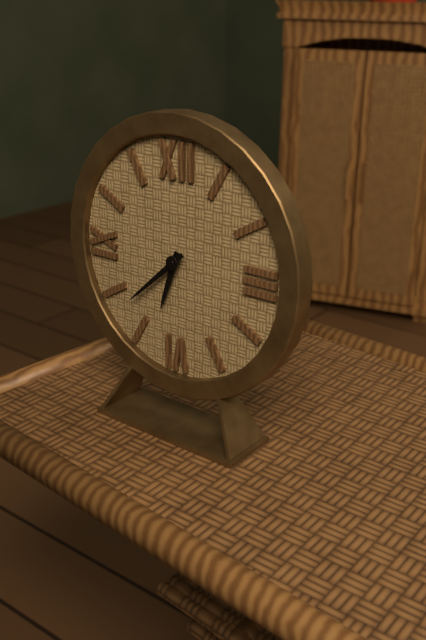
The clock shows {"hour": 6, "minute": 38}
